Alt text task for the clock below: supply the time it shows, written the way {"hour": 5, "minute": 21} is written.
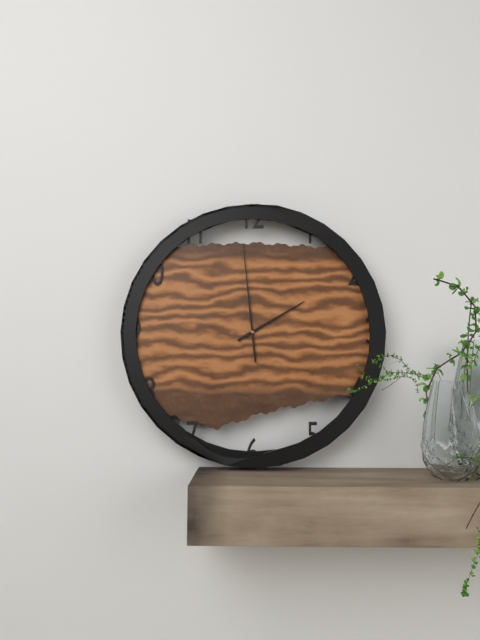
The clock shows {"hour": 1, "minute": 59}
